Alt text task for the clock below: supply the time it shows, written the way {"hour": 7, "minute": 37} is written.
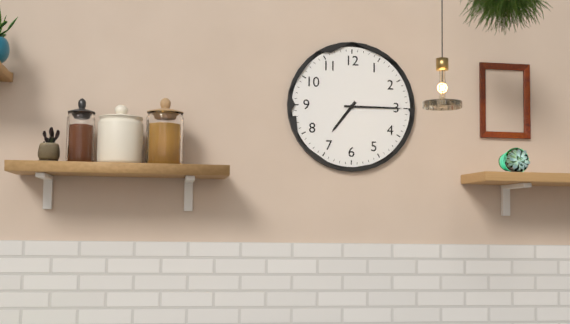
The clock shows {"hour": 7, "minute": 15}
